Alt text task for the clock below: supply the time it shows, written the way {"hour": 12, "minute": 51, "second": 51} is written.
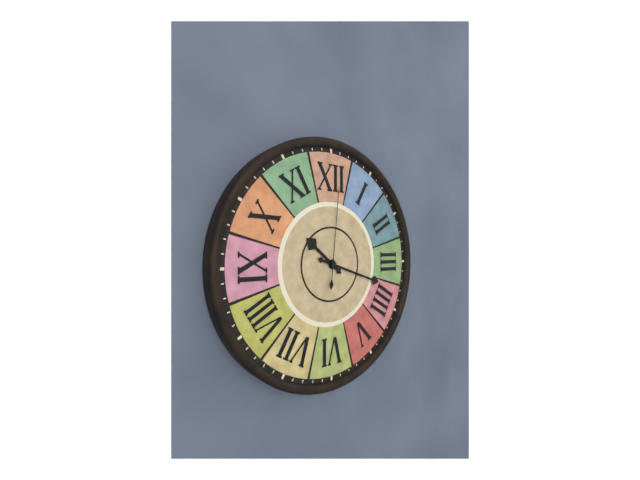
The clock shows {"hour": 10, "minute": 18, "second": 1}
